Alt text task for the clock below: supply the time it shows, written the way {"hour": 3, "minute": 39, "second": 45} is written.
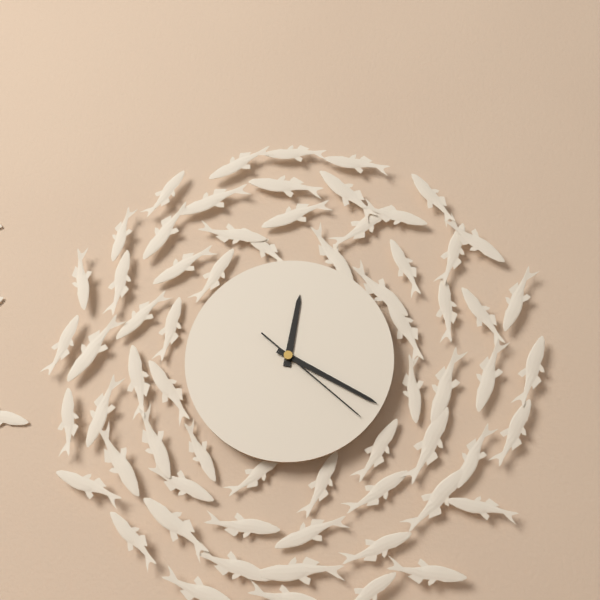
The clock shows {"hour": 12, "minute": 20, "second": 22}
